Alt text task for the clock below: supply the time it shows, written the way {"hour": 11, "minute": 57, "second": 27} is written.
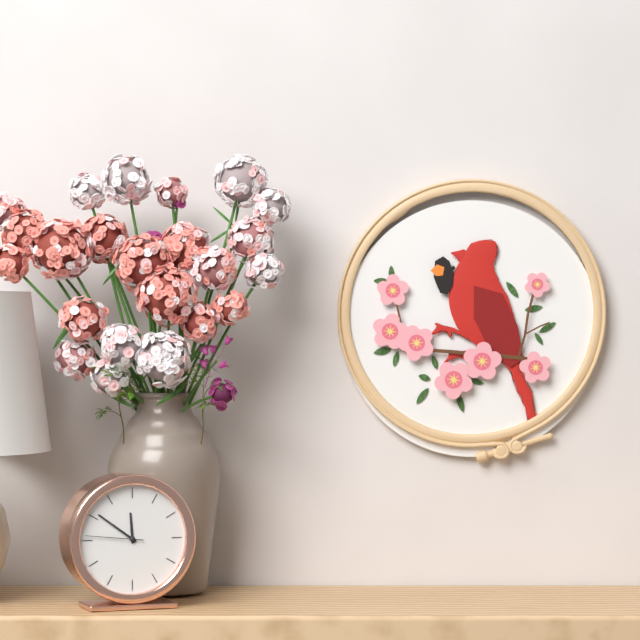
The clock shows {"hour": 11, "minute": 51, "second": 46}
